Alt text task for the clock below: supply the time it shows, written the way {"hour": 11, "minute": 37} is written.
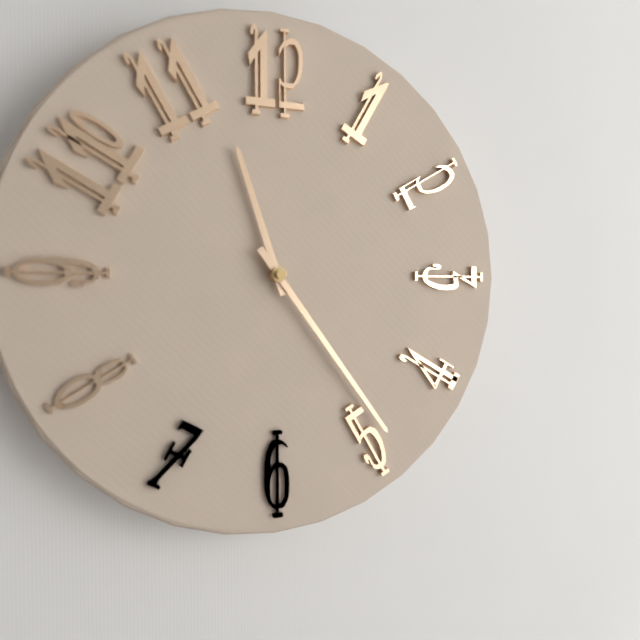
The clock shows {"hour": 11, "minute": 24}
